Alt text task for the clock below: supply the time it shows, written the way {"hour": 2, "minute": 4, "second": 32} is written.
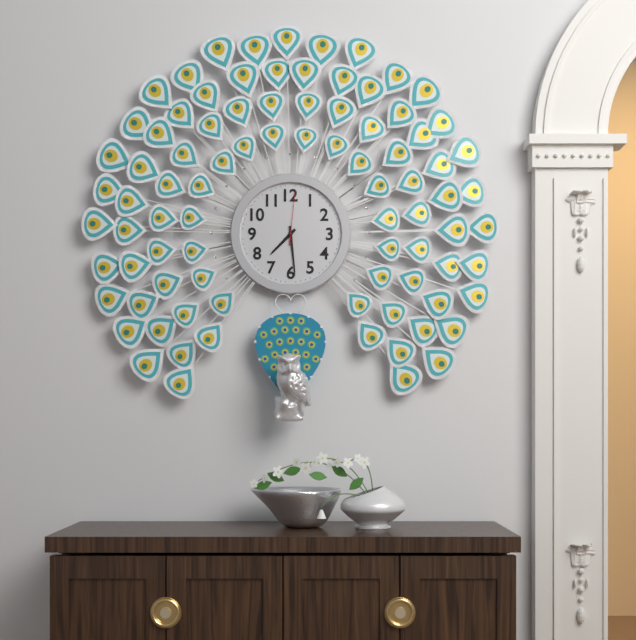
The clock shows {"hour": 7, "minute": 29, "second": 1}
